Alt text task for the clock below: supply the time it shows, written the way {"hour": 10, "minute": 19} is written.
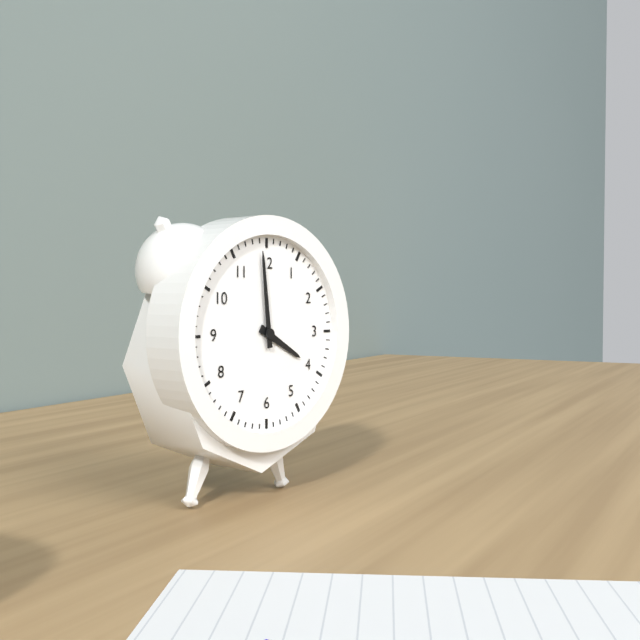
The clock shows {"hour": 3, "minute": 59}
